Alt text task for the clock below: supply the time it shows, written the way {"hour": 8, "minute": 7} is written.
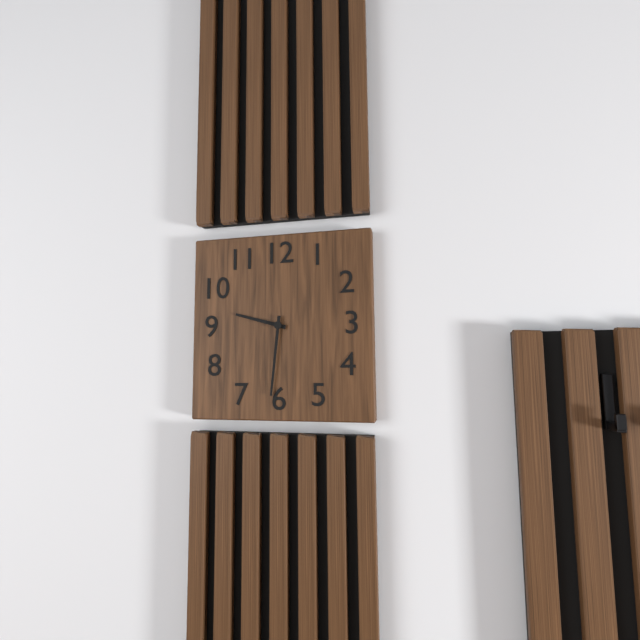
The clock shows {"hour": 9, "minute": 31}
